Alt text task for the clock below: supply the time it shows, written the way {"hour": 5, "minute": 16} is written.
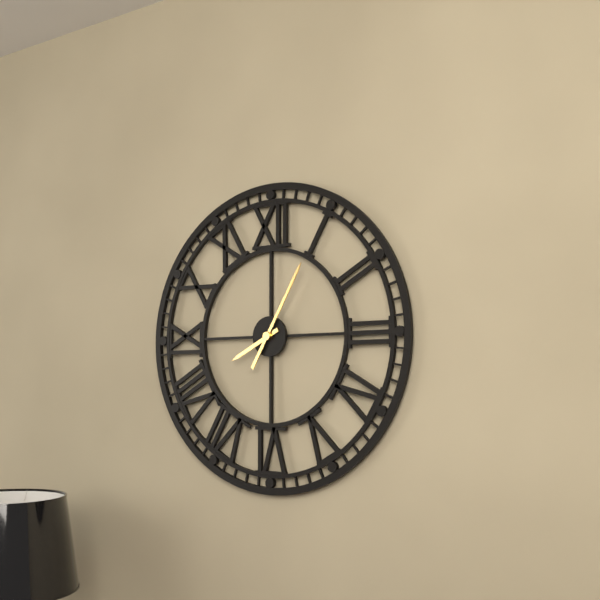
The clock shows {"hour": 8, "minute": 5}
